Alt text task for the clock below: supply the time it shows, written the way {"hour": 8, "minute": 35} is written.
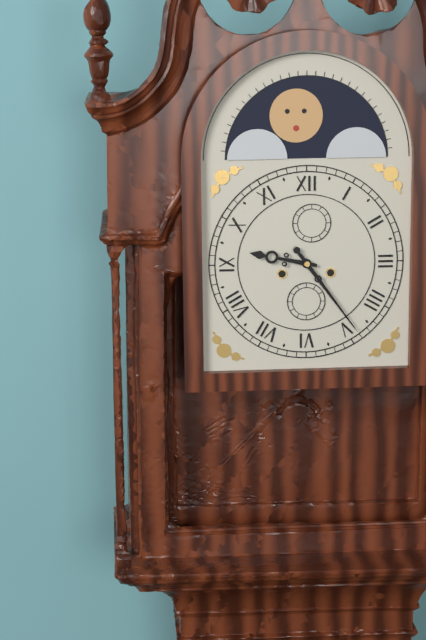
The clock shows {"hour": 9, "minute": 24}
